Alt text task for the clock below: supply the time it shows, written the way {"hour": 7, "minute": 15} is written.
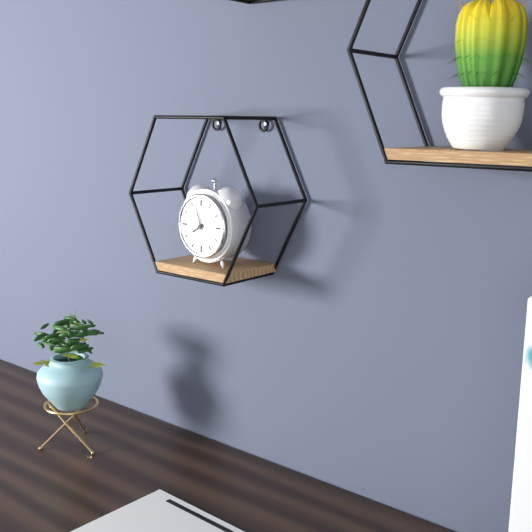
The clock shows {"hour": 7, "minute": 57}
